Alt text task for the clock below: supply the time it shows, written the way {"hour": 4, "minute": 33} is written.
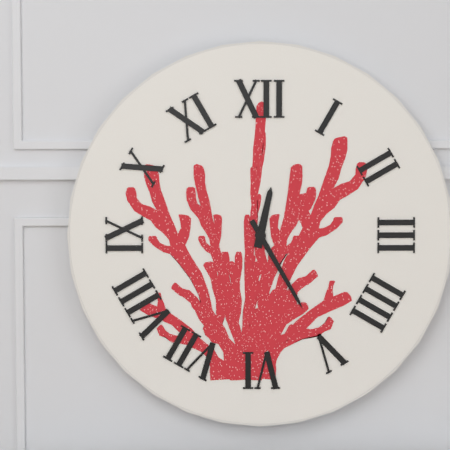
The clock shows {"hour": 12, "minute": 25}
